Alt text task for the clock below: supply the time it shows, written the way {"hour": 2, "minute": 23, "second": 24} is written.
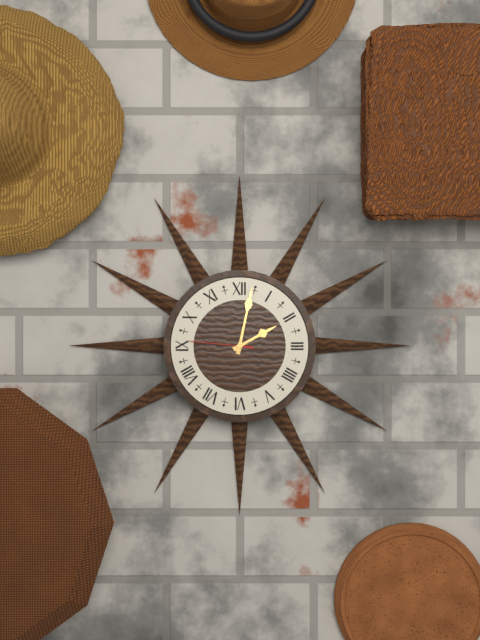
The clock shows {"hour": 2, "minute": 2, "second": 46}
